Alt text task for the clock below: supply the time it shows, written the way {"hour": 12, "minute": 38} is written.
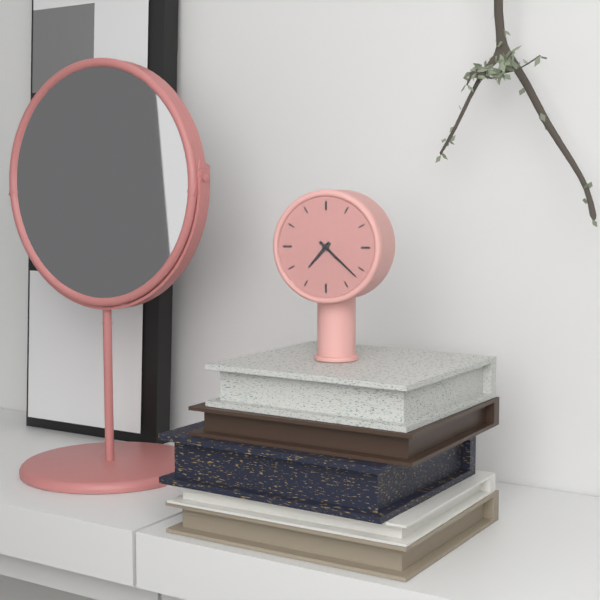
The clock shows {"hour": 7, "minute": 22}
